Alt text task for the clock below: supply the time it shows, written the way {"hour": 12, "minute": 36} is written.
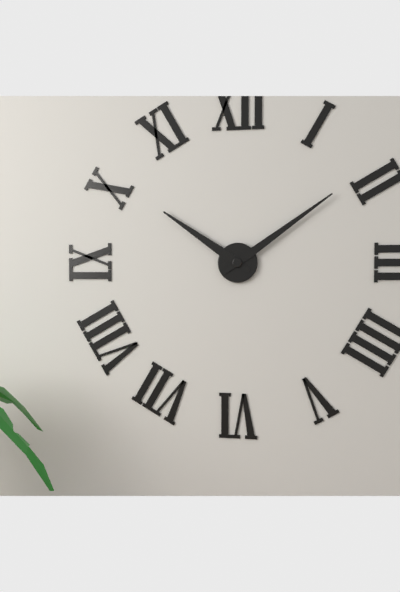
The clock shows {"hour": 10, "minute": 9}
